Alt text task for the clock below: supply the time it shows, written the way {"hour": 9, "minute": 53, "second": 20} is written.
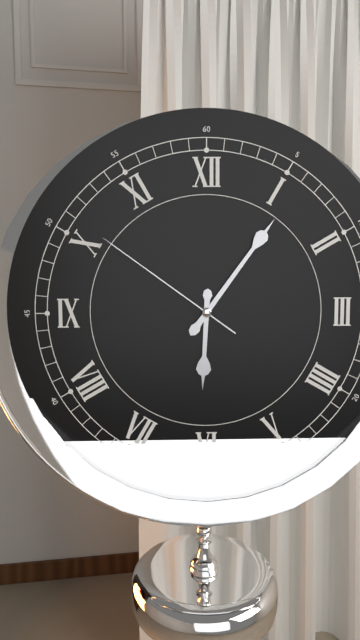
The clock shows {"hour": 6, "minute": 6, "second": 51}
